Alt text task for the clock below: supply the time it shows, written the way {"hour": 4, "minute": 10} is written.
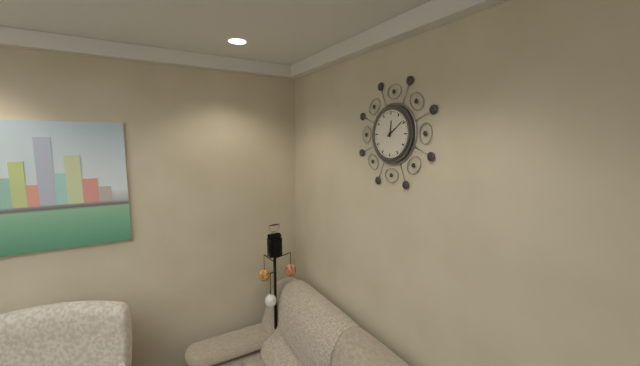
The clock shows {"hour": 12, "minute": 9}
